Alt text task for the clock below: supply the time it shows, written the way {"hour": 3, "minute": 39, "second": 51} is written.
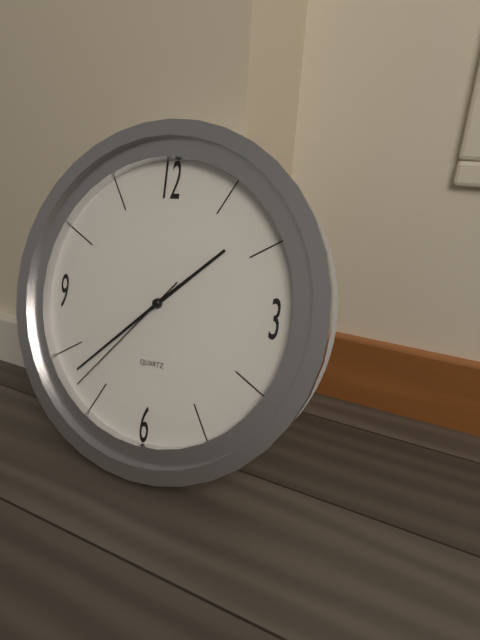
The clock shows {"hour": 1, "minute": 38, "second": 37}
